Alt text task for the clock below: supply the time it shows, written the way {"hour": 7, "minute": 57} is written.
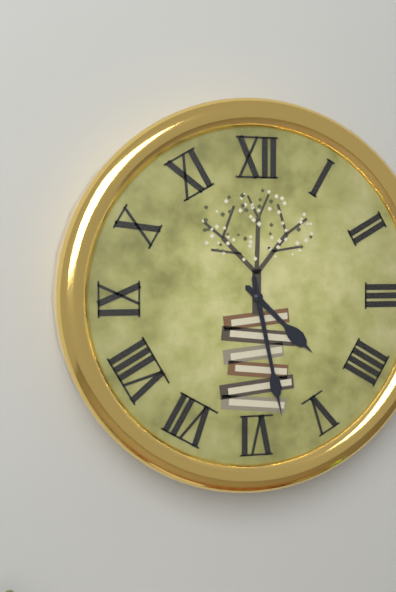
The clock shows {"hour": 4, "minute": 28}
